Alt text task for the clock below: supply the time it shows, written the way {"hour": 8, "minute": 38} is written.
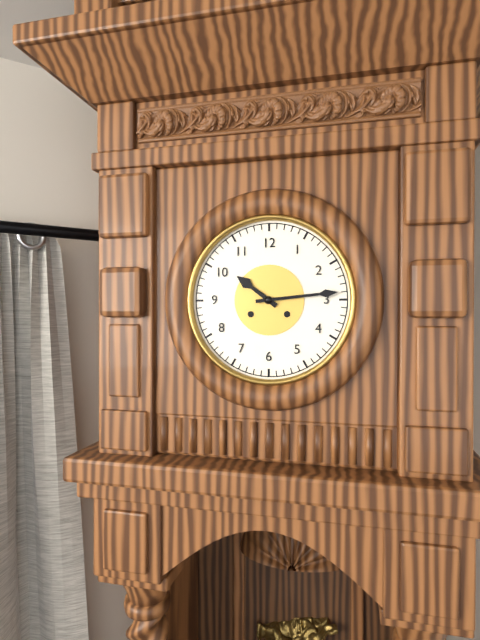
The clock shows {"hour": 10, "minute": 14}
